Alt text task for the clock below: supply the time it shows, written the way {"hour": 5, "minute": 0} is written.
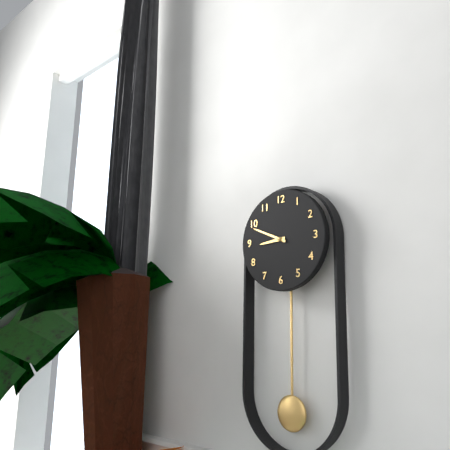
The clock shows {"hour": 8, "minute": 49}
